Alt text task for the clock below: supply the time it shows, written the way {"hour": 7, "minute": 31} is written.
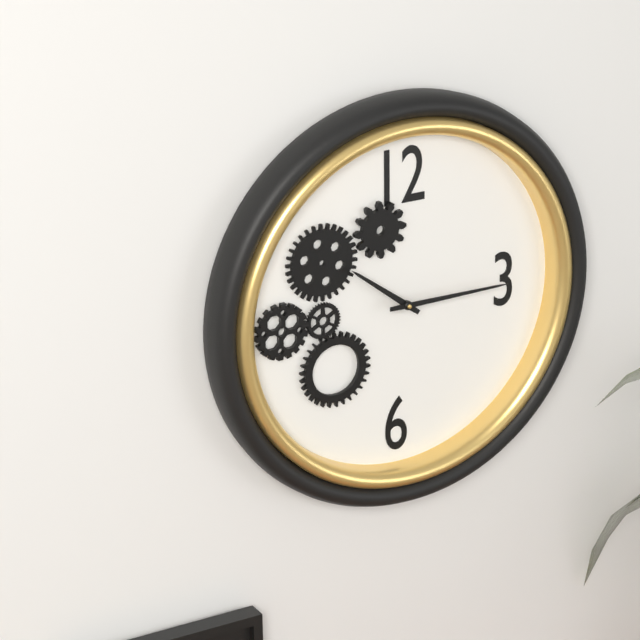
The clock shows {"hour": 10, "minute": 15}
